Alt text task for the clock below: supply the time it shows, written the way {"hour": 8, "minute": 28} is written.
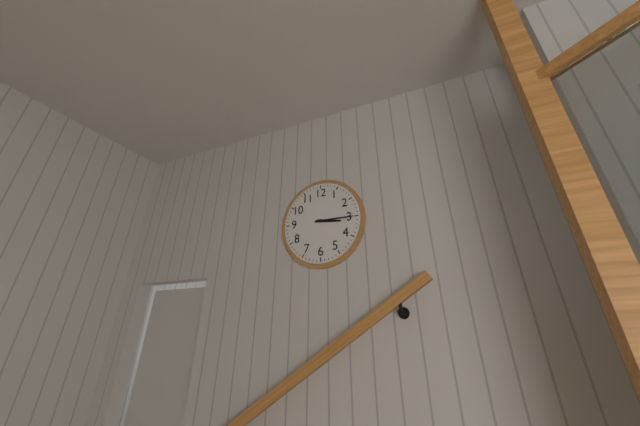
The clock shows {"hour": 3, "minute": 15}
